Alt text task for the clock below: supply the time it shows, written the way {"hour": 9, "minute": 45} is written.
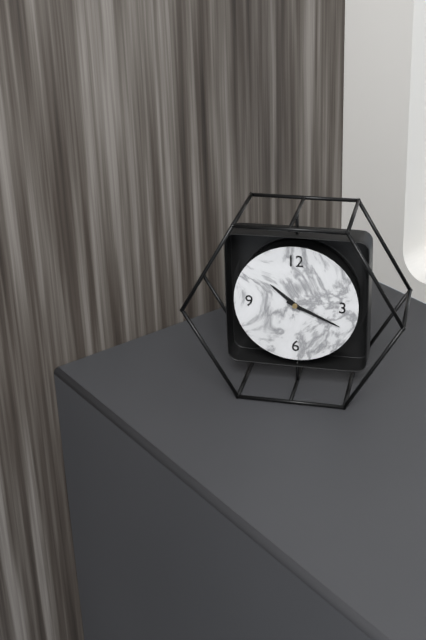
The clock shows {"hour": 10, "minute": 19}
